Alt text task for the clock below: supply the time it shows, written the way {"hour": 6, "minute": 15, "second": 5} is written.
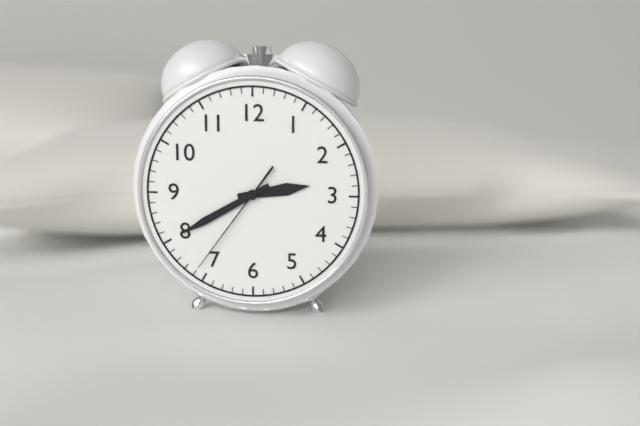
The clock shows {"hour": 2, "minute": 40, "second": 36}
